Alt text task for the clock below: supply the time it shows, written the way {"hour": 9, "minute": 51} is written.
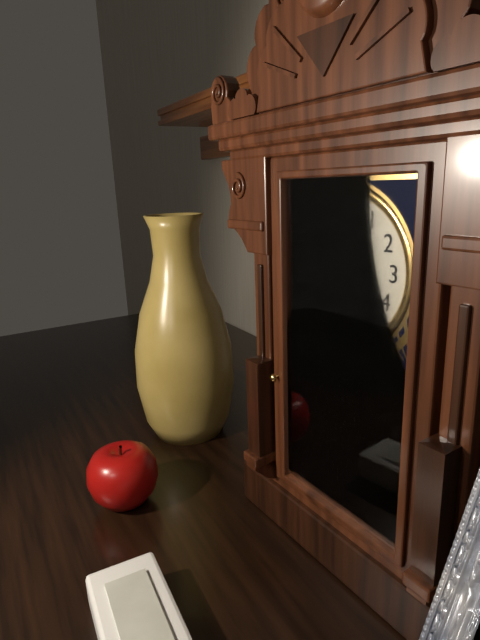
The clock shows {"hour": 8, "minute": 33}
